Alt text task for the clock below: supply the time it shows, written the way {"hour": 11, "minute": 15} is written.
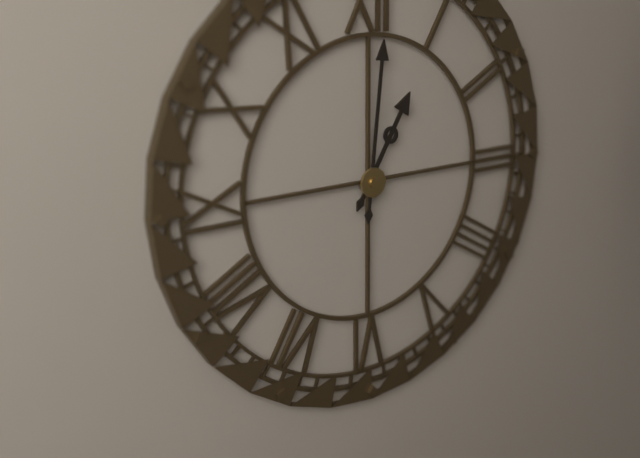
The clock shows {"hour": 1, "minute": 1}
